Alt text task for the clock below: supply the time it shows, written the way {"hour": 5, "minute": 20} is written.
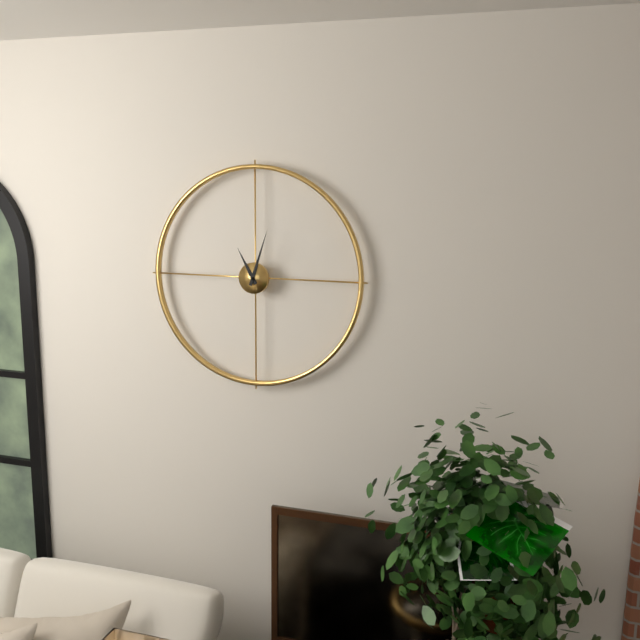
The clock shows {"hour": 11, "minute": 3}
